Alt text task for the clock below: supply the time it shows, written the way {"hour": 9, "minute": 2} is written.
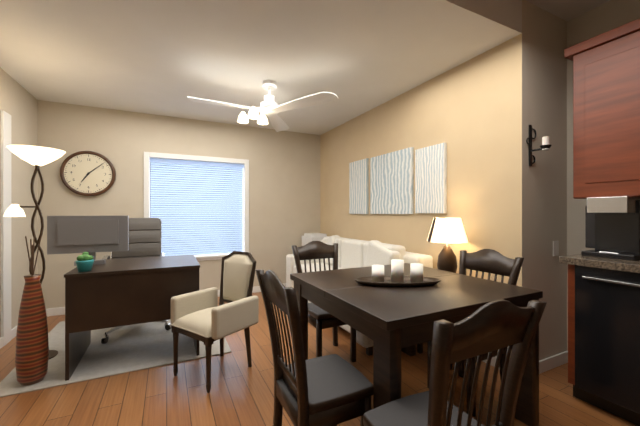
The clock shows {"hour": 7, "minute": 8}
